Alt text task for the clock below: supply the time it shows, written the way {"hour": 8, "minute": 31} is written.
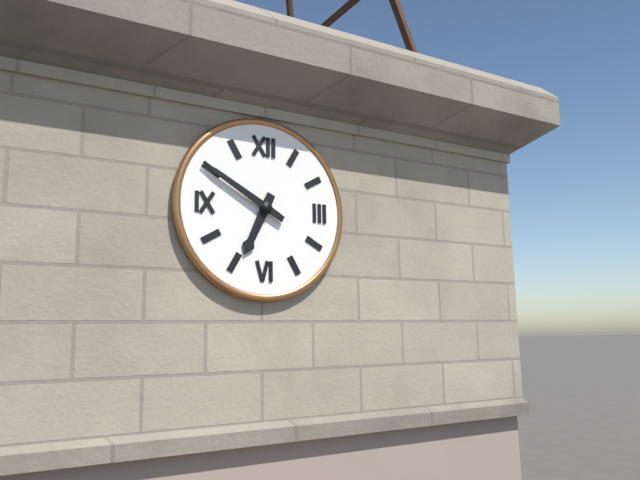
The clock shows {"hour": 6, "minute": 50}
